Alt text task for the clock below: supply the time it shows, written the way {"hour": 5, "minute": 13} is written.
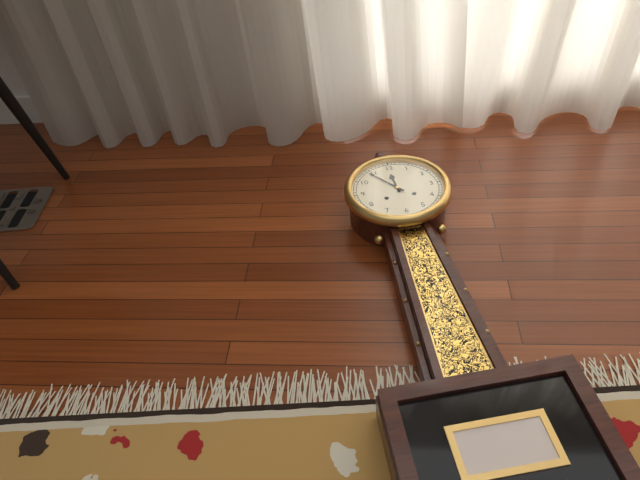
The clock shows {"hour": 11, "minute": 54}
